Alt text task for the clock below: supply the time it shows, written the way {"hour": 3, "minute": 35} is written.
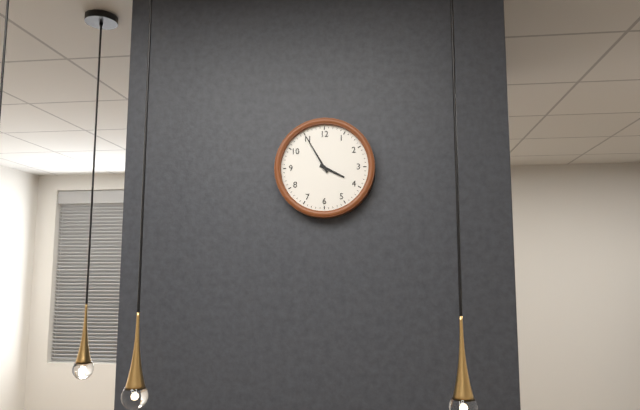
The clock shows {"hour": 3, "minute": 55}
